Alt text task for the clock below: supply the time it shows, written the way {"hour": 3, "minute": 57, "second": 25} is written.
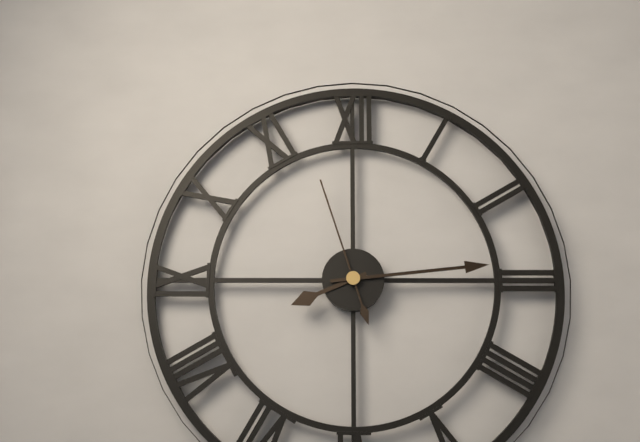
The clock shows {"hour": 8, "minute": 14, "second": 57}
